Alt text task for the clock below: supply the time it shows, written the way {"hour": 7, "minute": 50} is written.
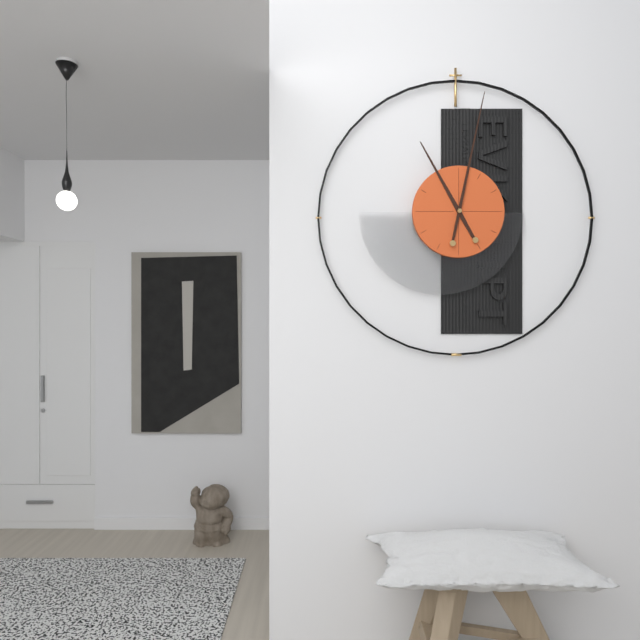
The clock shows {"hour": 11, "minute": 2}
